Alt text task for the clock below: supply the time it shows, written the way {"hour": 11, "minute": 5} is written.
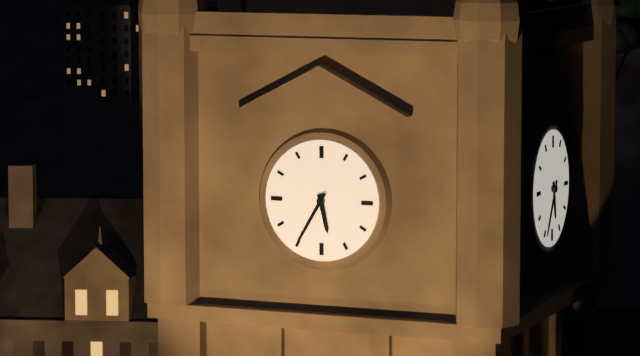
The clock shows {"hour": 5, "minute": 35}
